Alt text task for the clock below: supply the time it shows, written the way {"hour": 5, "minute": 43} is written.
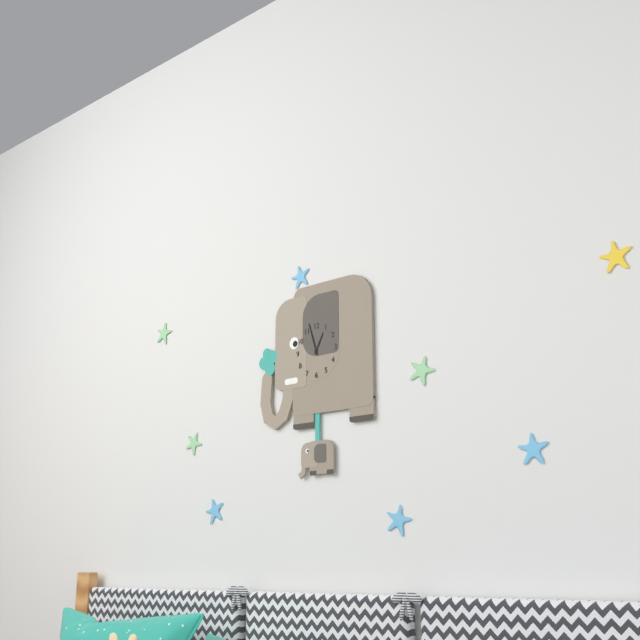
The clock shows {"hour": 12, "minute": 57}
